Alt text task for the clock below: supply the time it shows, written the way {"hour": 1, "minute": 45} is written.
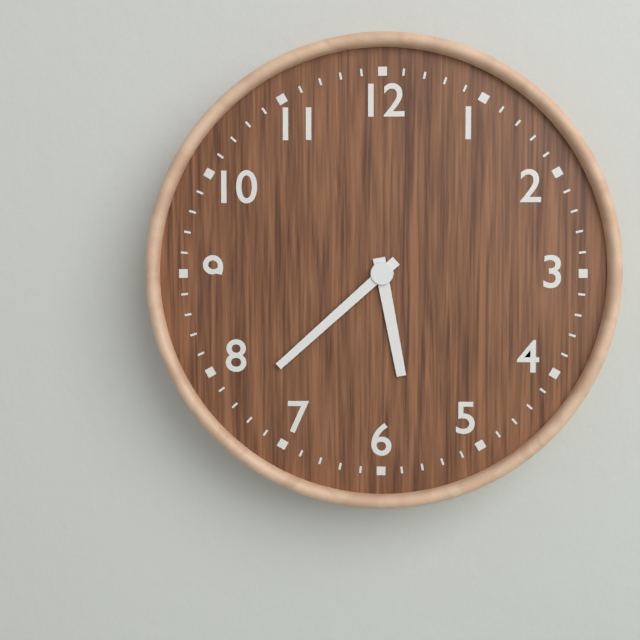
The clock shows {"hour": 5, "minute": 38}
